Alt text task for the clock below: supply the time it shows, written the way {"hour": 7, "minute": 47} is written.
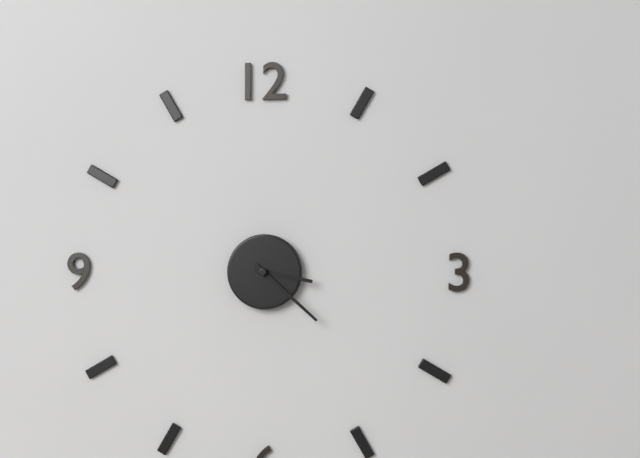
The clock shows {"hour": 3, "minute": 22}
